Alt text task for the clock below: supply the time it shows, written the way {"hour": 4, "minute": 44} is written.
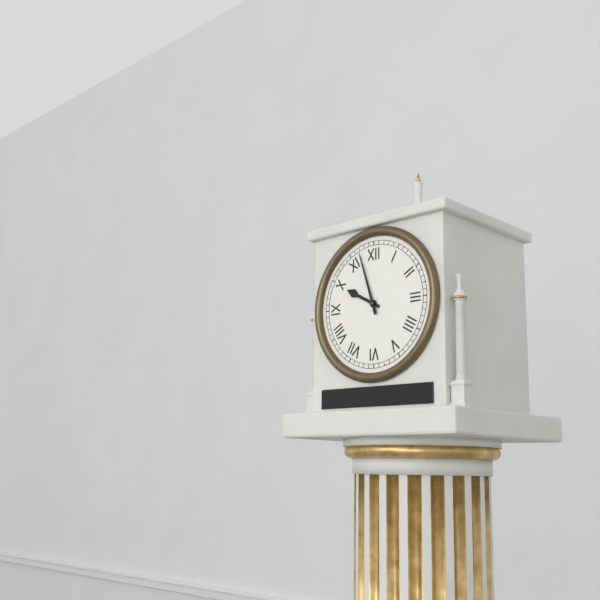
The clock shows {"hour": 9, "minute": 57}
